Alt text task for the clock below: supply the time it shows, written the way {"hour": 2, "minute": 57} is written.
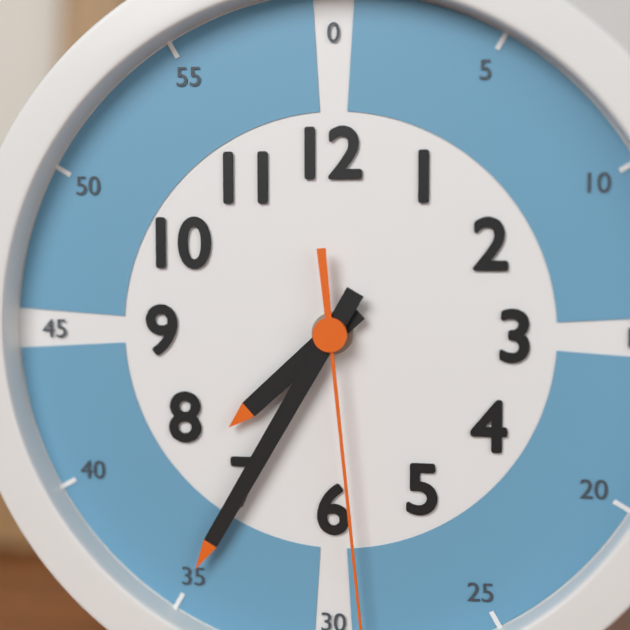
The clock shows {"hour": 7, "minute": 35}
